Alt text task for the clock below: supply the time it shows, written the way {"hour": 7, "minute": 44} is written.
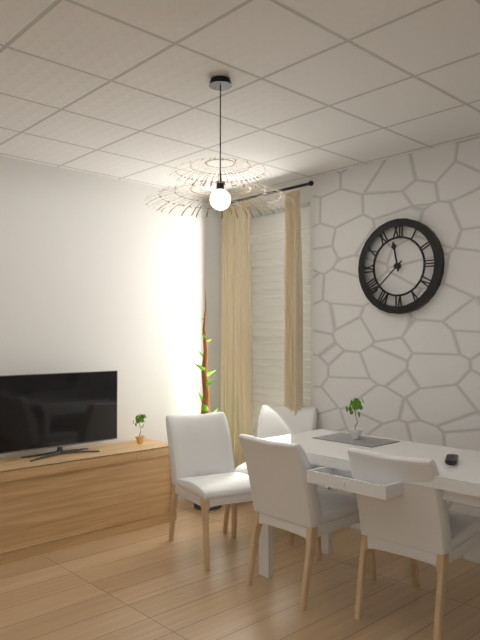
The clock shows {"hour": 11, "minute": 38}
